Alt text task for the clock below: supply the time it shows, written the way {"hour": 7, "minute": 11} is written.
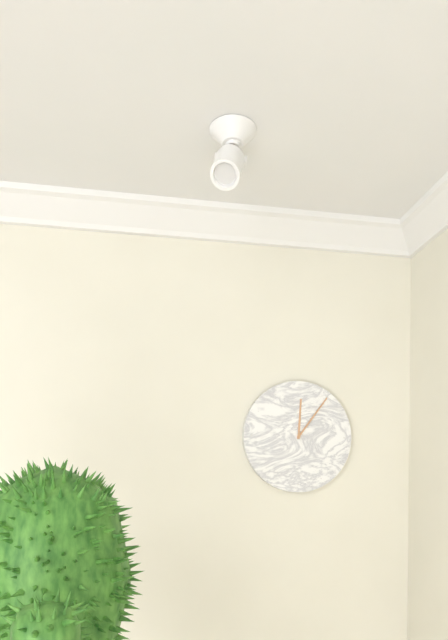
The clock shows {"hour": 12, "minute": 6}
